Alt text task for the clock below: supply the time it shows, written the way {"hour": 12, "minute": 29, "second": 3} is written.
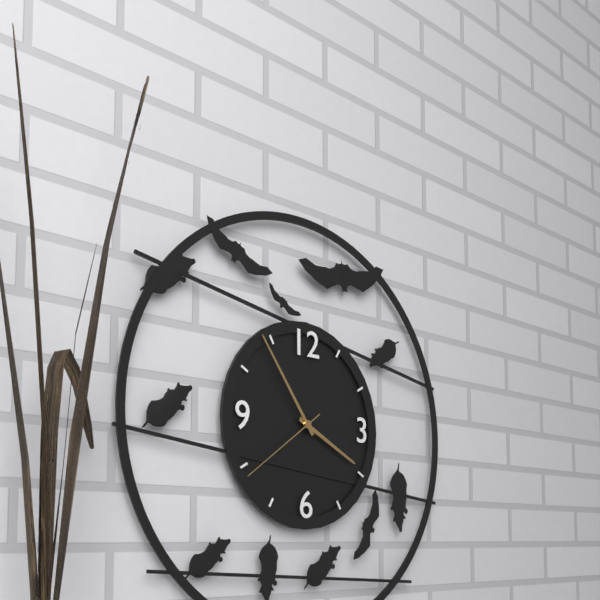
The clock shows {"hour": 3, "minute": 54, "second": 39}
